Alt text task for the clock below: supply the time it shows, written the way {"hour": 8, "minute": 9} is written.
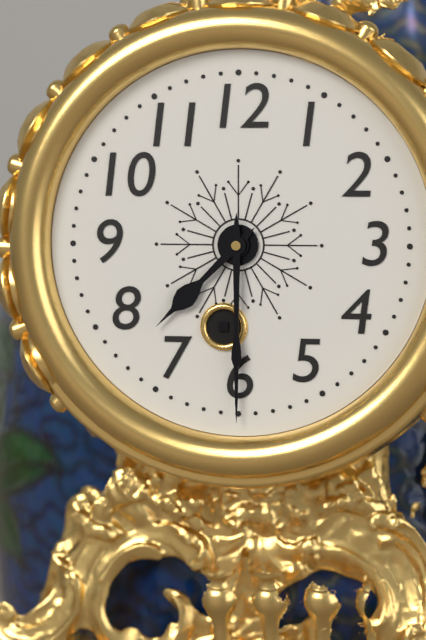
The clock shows {"hour": 7, "minute": 30}
